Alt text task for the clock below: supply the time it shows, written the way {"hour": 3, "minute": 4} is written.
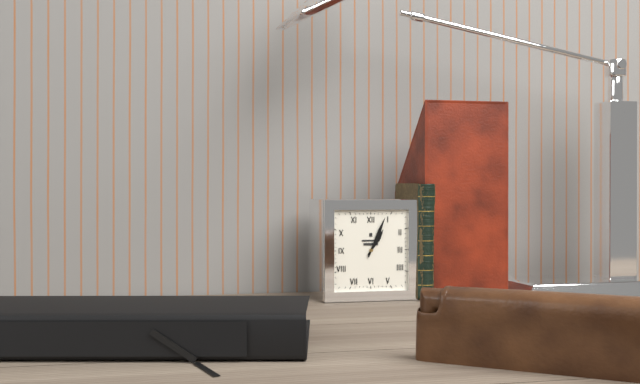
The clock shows {"hour": 1, "minute": 4}
